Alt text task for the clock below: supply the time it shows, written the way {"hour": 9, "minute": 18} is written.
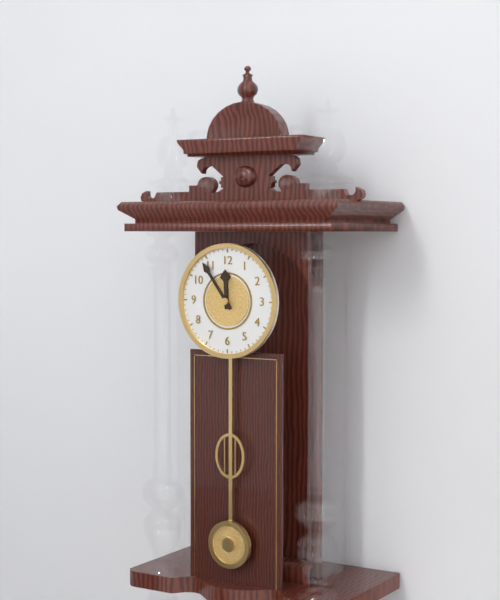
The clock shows {"hour": 11, "minute": 54}
